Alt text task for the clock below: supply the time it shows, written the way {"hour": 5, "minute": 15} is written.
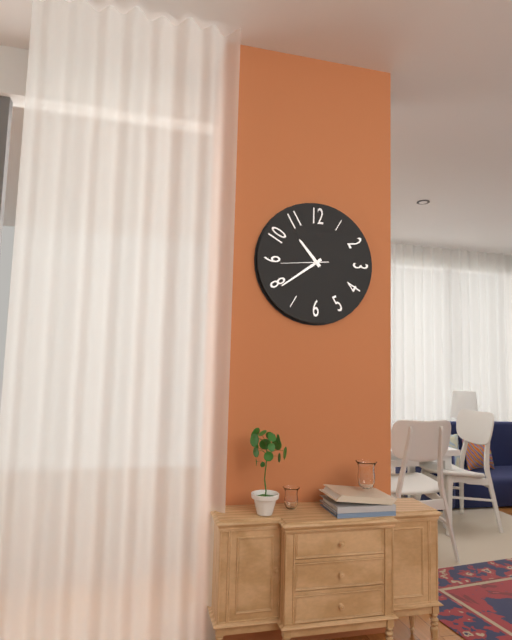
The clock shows {"hour": 10, "minute": 39}
